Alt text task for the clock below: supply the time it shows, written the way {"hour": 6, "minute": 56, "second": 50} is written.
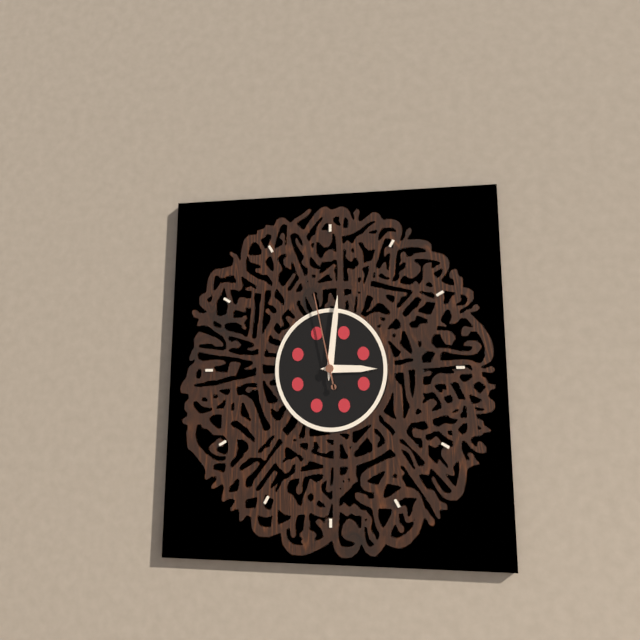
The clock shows {"hour": 3, "minute": 1, "second": 58}
